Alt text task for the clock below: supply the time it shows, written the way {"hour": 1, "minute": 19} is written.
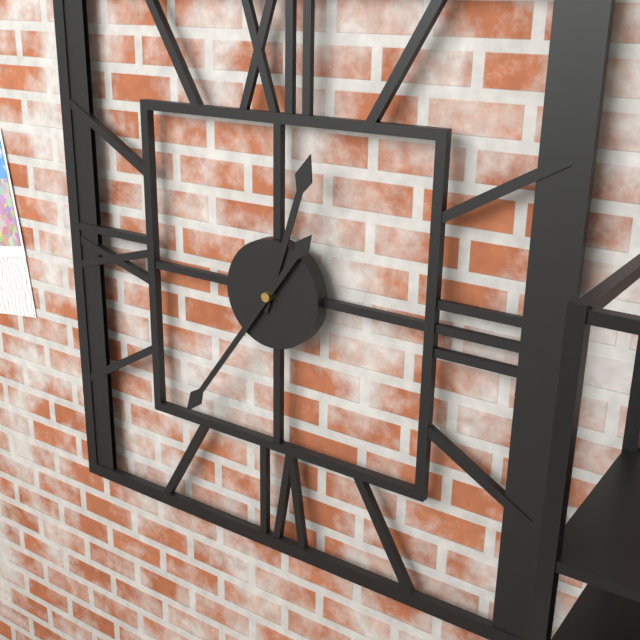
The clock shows {"hour": 12, "minute": 36}
